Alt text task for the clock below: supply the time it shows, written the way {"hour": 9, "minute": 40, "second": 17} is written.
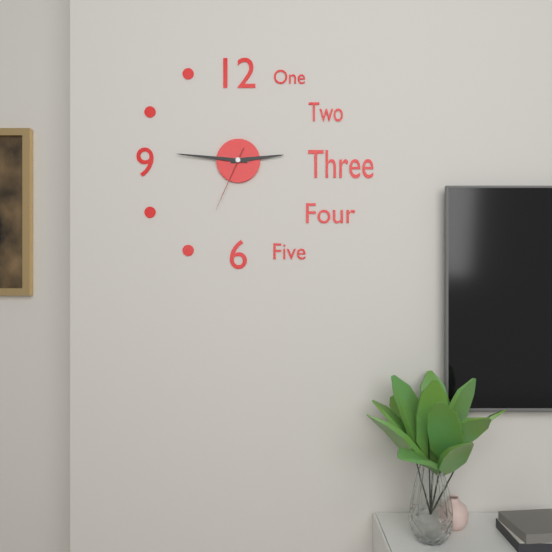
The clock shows {"hour": 2, "minute": 46, "second": 34}
